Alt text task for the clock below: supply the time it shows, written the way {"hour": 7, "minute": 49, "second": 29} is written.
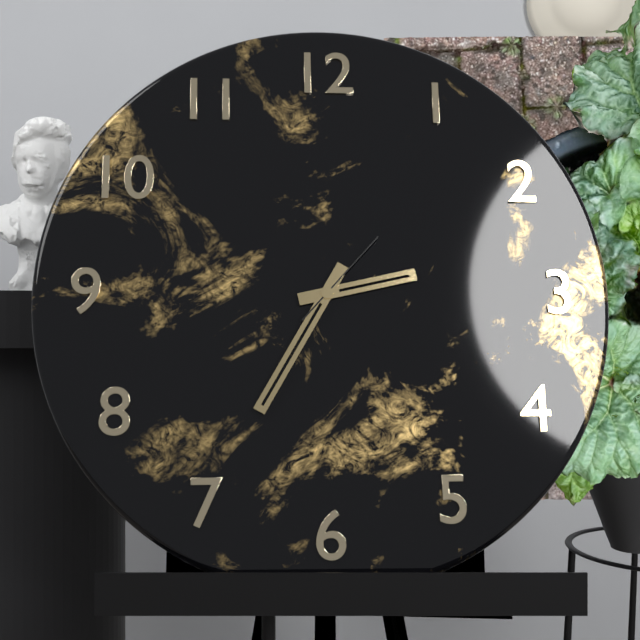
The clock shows {"hour": 2, "minute": 35, "second": 7}
